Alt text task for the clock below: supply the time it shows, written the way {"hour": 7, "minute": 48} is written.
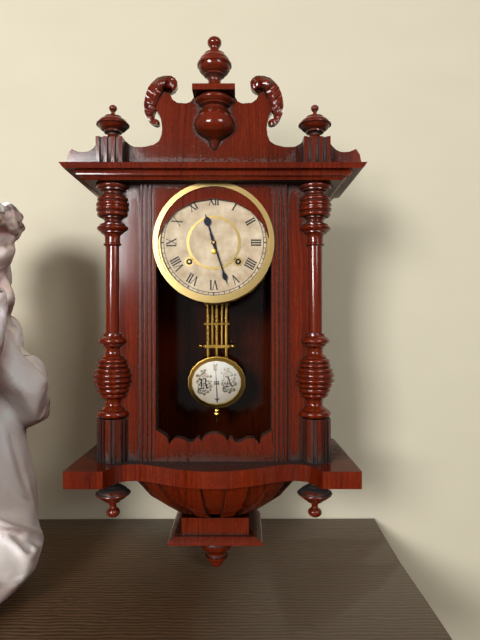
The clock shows {"hour": 11, "minute": 27}
